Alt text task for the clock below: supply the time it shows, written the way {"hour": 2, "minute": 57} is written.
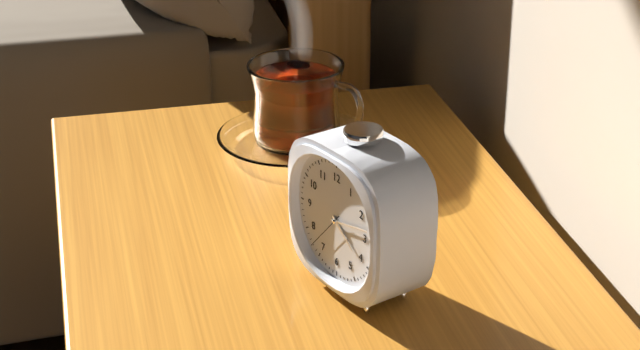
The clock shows {"hour": 4, "minute": 13}
